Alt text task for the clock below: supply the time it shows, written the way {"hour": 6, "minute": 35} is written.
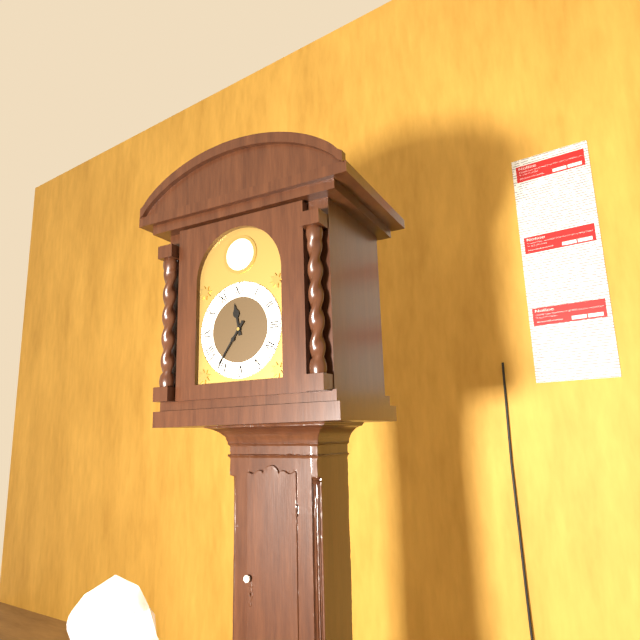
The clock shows {"hour": 11, "minute": 36}
